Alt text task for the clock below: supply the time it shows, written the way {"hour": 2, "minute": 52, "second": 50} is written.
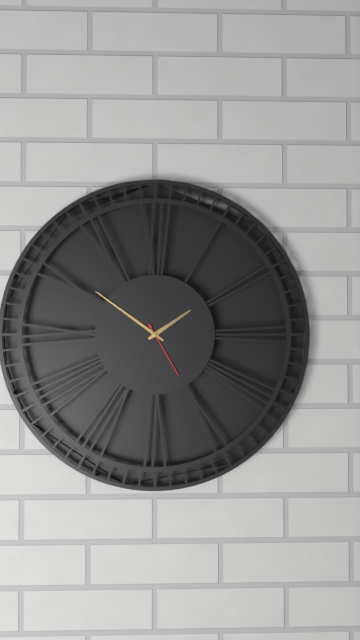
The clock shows {"hour": 1, "minute": 51, "second": 25}
